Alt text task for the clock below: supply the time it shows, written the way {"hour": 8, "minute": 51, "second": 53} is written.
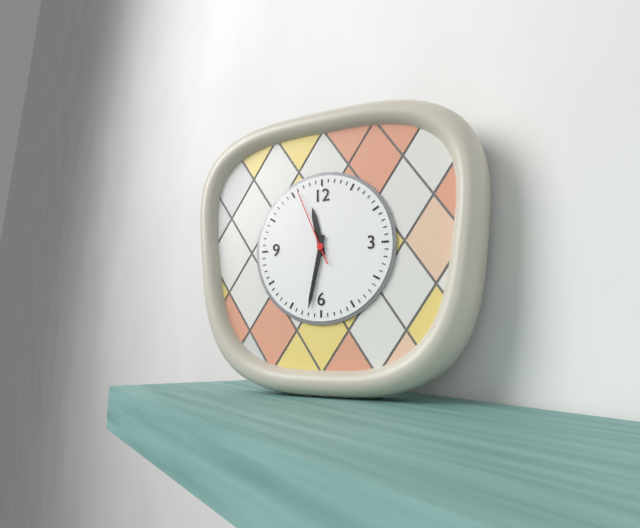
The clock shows {"hour": 11, "minute": 32, "second": 56}
